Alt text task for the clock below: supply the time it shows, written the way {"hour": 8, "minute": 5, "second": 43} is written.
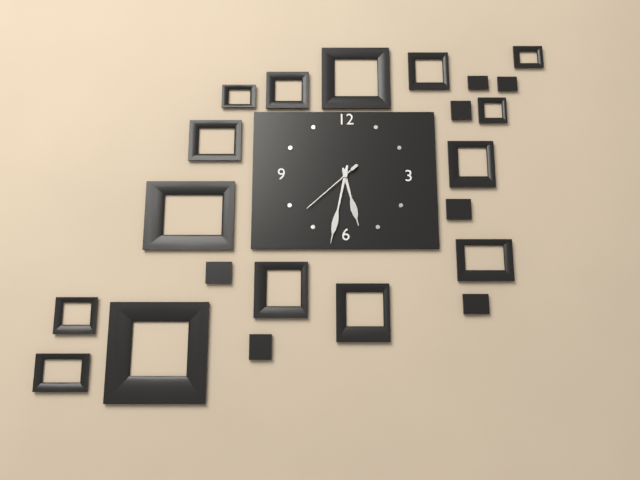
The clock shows {"hour": 5, "minute": 32, "second": 38}
